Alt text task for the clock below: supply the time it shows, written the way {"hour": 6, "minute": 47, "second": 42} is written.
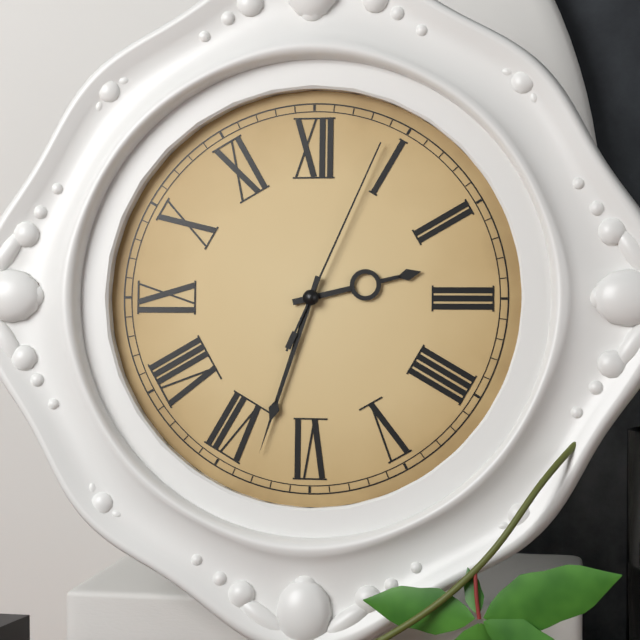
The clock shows {"hour": 2, "minute": 33, "second": 4}
